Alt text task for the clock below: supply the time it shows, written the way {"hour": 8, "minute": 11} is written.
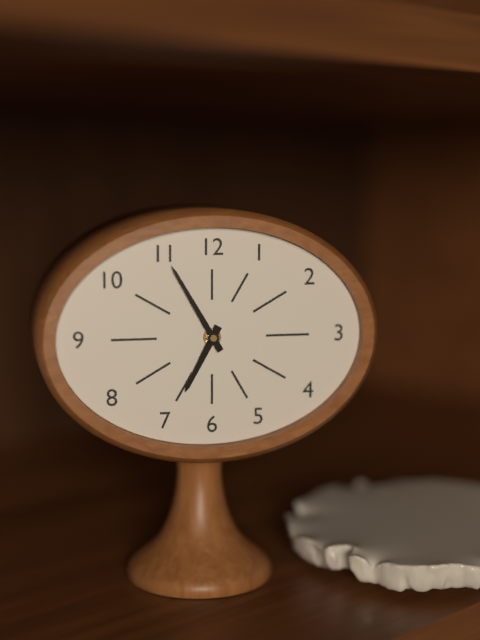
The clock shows {"hour": 6, "minute": 55}
